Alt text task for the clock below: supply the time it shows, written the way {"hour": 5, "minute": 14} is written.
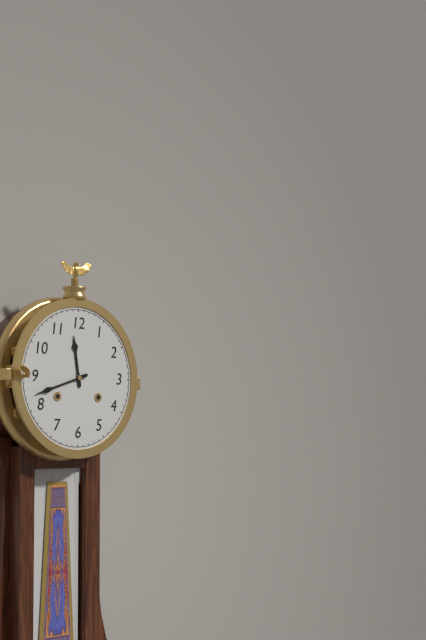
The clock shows {"hour": 11, "minute": 42}
